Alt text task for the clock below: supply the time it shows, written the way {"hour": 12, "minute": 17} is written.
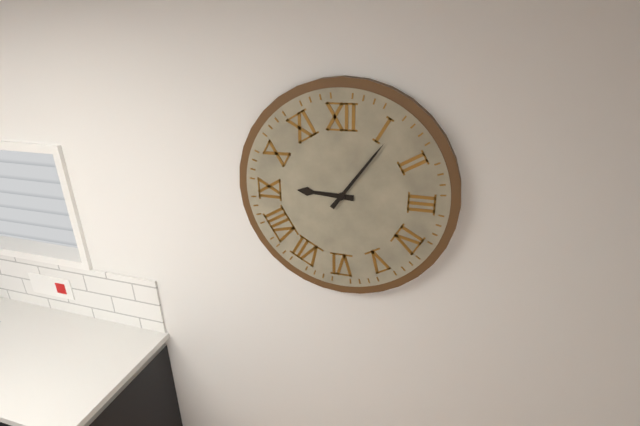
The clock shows {"hour": 9, "minute": 6}
